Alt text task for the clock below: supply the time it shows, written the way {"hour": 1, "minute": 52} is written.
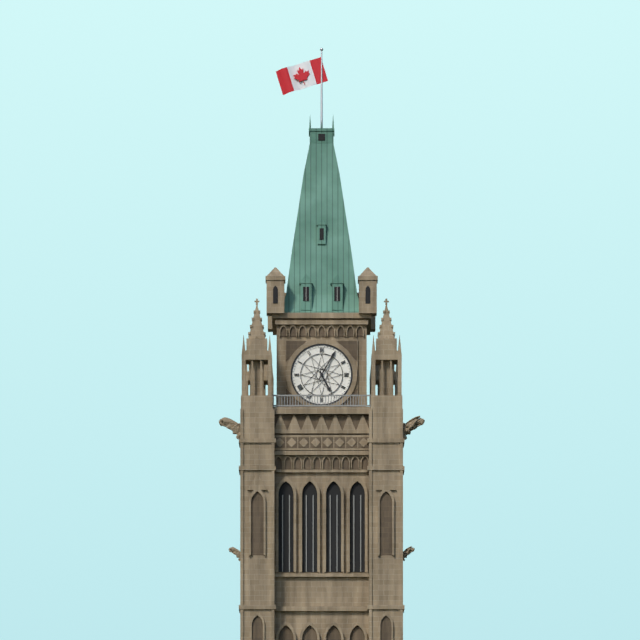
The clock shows {"hour": 5, "minute": 5}
